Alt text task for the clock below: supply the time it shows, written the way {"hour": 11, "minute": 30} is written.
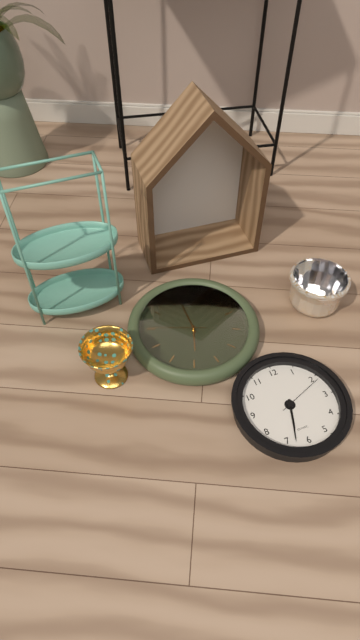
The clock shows {"hour": 6, "minute": 33}
